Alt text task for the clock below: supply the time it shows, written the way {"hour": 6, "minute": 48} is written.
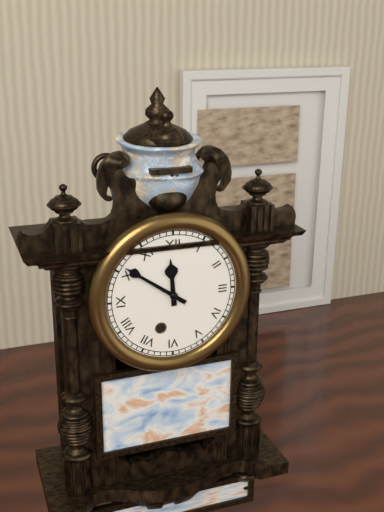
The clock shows {"hour": 11, "minute": 51}
